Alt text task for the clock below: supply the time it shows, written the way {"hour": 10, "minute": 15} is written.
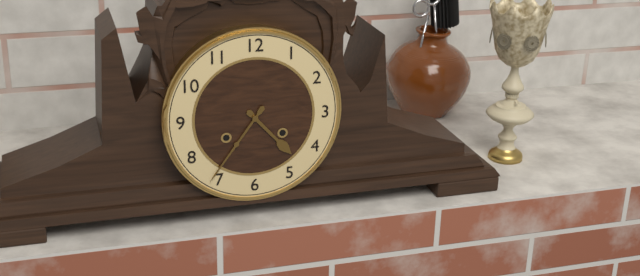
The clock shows {"hour": 4, "minute": 36}
